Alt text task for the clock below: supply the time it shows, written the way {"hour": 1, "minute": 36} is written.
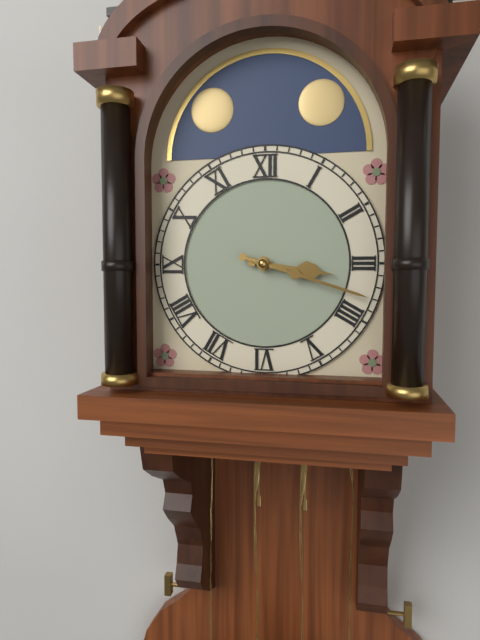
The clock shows {"hour": 3, "minute": 18}
